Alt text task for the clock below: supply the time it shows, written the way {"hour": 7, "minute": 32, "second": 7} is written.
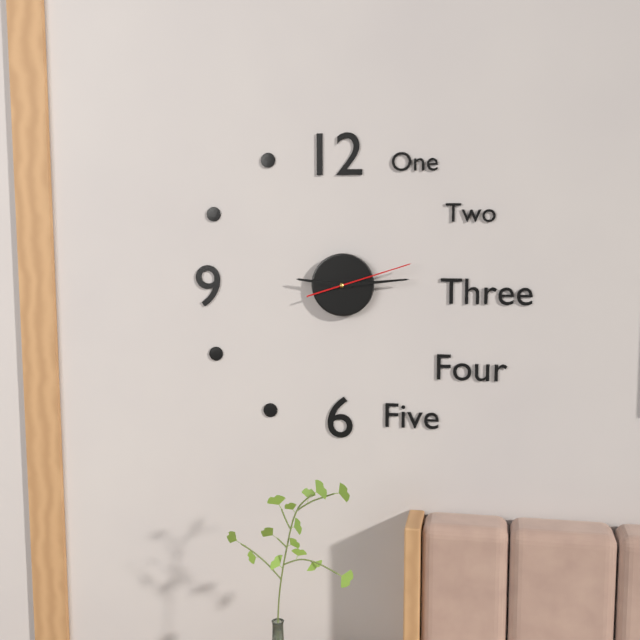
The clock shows {"hour": 9, "minute": 14, "second": 12}
